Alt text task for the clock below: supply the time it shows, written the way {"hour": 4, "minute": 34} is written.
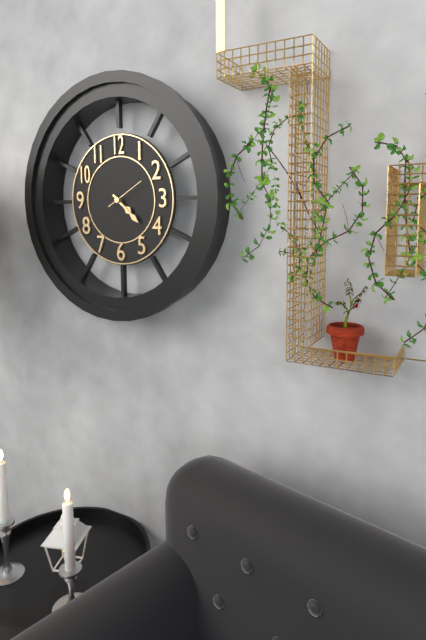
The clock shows {"hour": 4, "minute": 22}
